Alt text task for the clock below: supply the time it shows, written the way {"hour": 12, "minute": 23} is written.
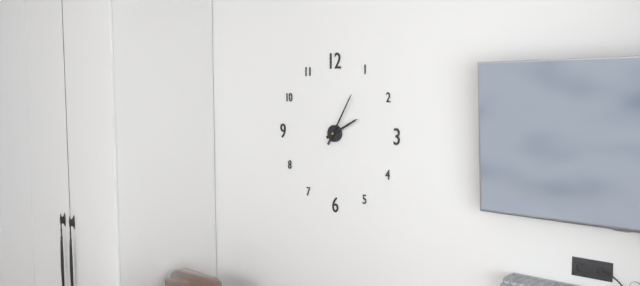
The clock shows {"hour": 2, "minute": 5}
